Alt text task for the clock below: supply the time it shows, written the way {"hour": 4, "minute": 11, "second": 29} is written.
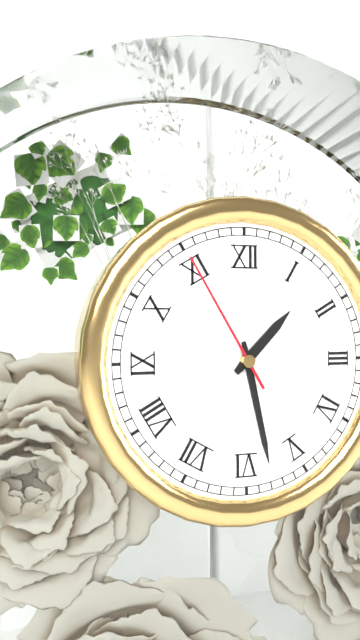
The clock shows {"hour": 1, "minute": 28, "second": 55}
